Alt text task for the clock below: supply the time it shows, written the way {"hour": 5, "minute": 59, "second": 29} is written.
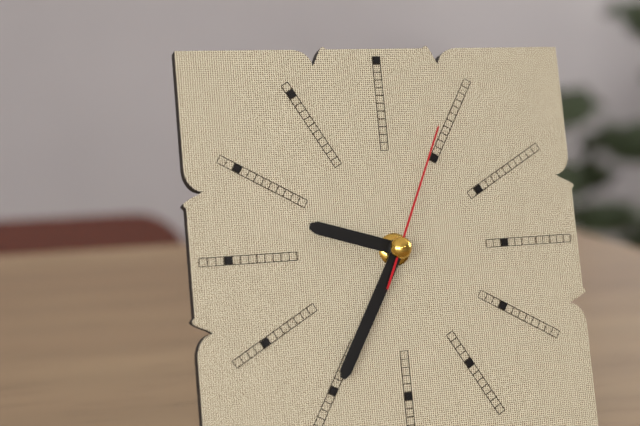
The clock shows {"hour": 9, "minute": 35, "second": 4}
